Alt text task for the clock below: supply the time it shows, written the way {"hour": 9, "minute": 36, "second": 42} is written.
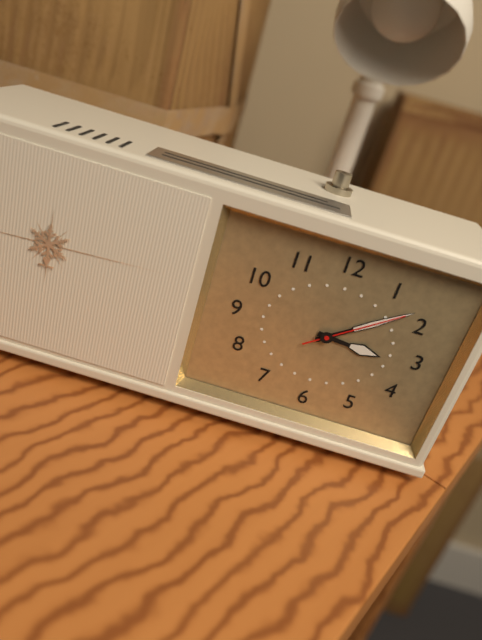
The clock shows {"hour": 3, "minute": 9, "second": 9}
